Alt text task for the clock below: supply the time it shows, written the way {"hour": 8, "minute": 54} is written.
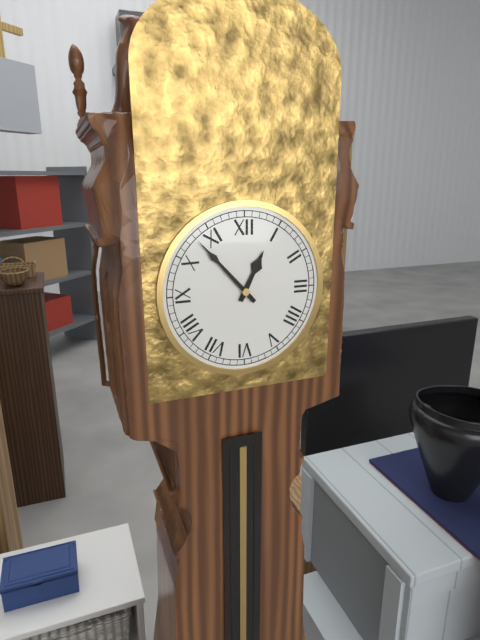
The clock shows {"hour": 12, "minute": 53}
